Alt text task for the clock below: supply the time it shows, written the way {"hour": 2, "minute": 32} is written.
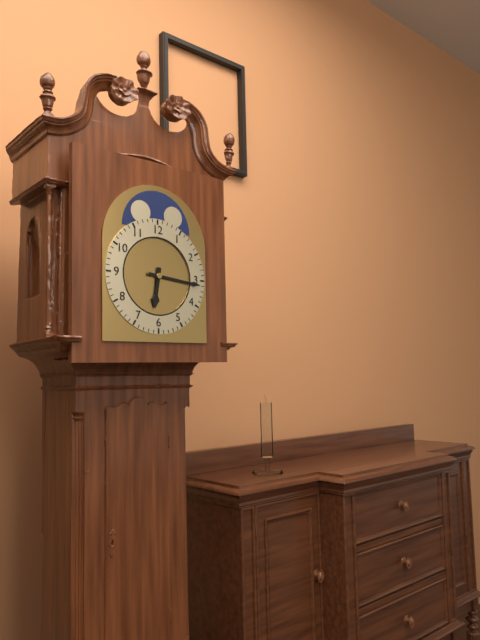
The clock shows {"hour": 6, "minute": 16}
